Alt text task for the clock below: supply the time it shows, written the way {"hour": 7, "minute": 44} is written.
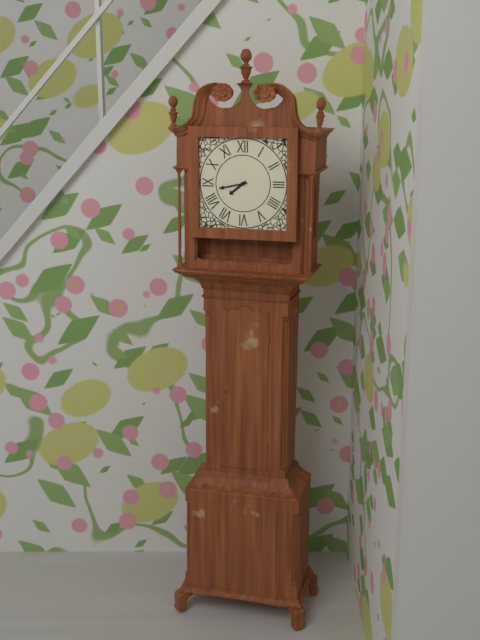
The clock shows {"hour": 7, "minute": 43}
